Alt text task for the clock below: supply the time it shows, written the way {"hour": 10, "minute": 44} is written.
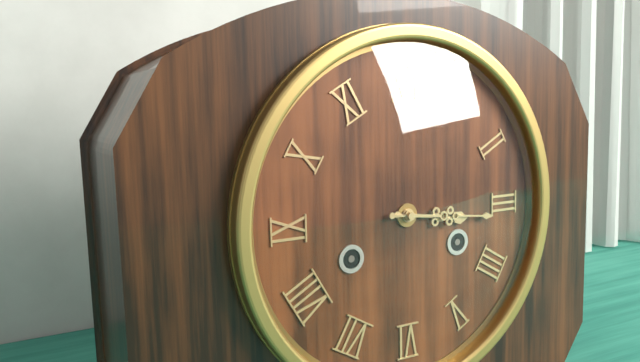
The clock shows {"hour": 3, "minute": 16}
